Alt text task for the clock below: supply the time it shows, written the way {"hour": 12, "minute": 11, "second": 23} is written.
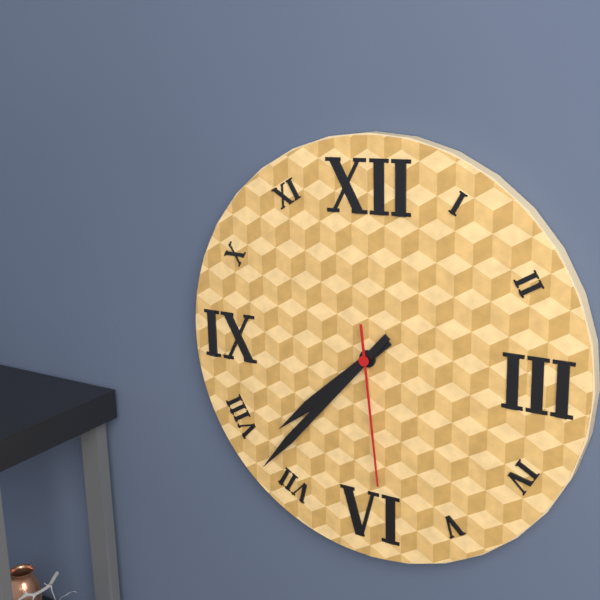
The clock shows {"hour": 7, "minute": 37, "second": 29}
